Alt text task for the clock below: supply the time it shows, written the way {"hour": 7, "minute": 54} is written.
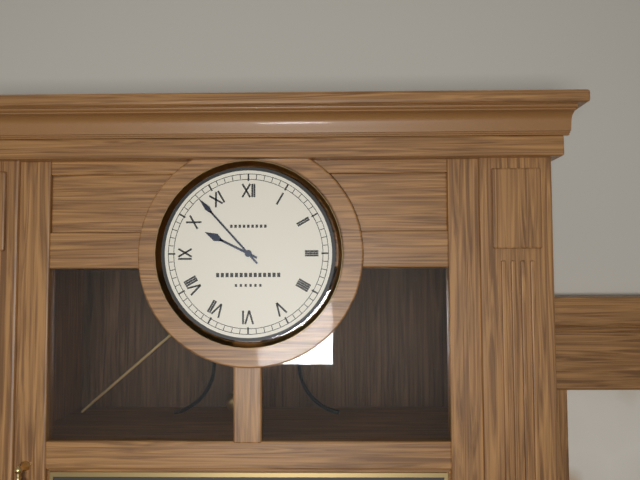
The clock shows {"hour": 9, "minute": 53}
